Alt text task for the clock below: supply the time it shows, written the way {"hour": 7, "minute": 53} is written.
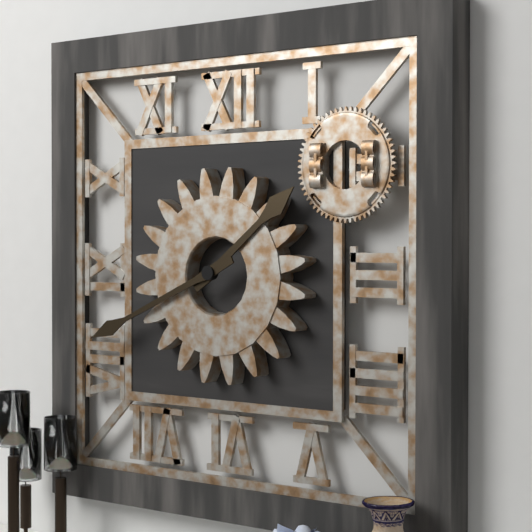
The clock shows {"hour": 1, "minute": 41}
